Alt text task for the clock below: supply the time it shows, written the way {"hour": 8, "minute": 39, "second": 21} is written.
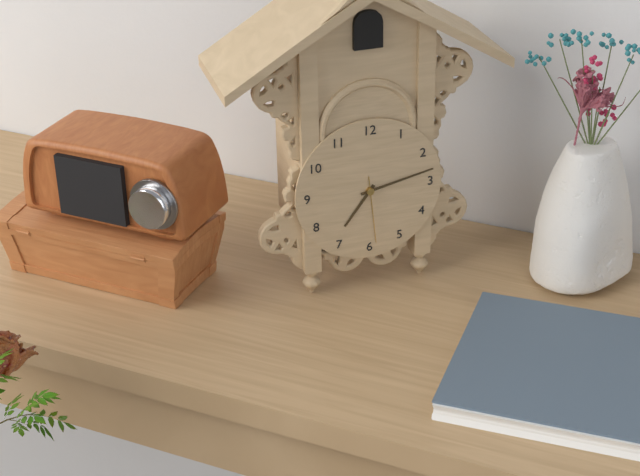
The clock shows {"hour": 7, "minute": 13, "second": 29}
